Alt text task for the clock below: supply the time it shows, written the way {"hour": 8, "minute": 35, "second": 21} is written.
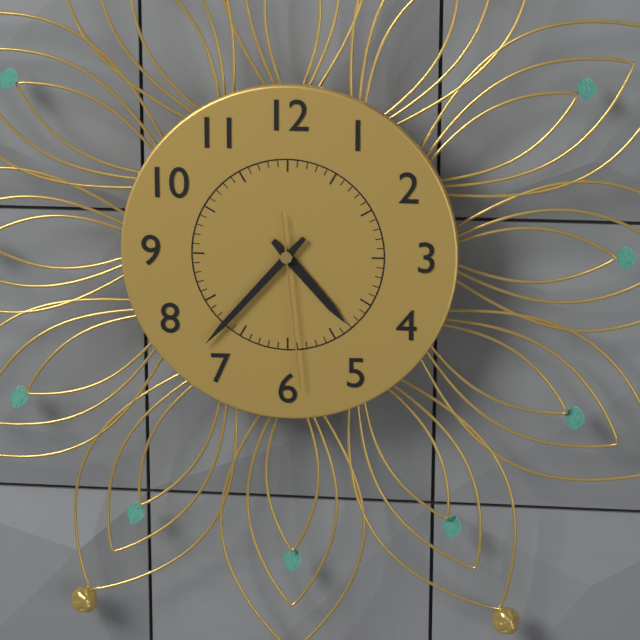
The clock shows {"hour": 4, "minute": 37, "second": 29}
